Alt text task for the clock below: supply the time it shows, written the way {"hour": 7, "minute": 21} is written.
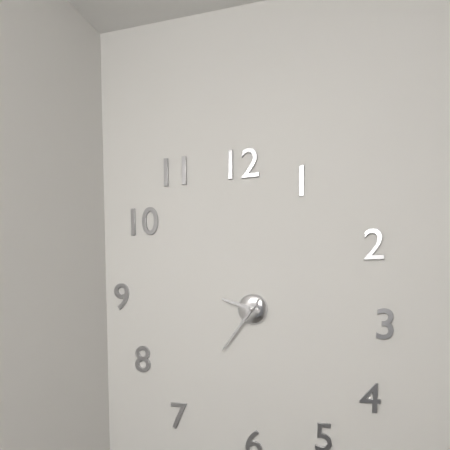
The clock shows {"hour": 9, "minute": 36}
